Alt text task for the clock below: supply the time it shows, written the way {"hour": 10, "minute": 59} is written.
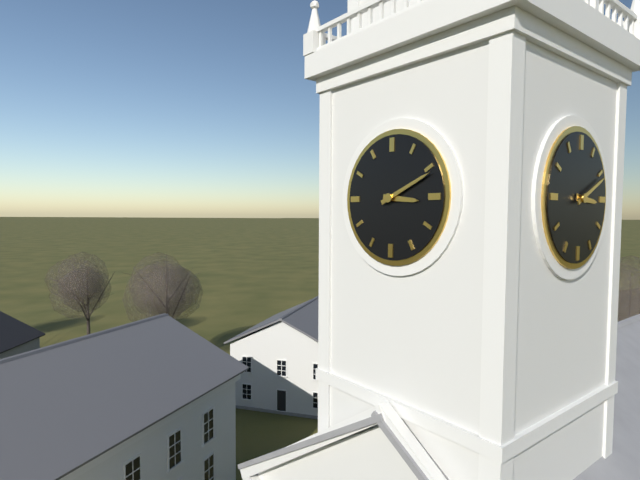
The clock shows {"hour": 3, "minute": 11}
